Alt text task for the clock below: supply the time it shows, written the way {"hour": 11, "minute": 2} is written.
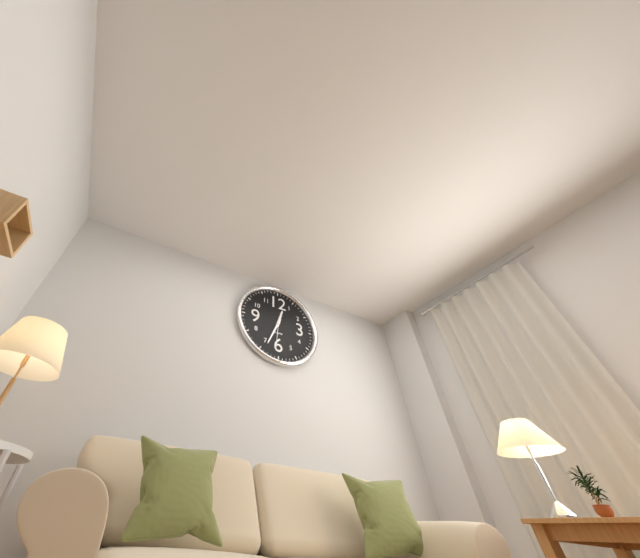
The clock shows {"hour": 12, "minute": 34}
